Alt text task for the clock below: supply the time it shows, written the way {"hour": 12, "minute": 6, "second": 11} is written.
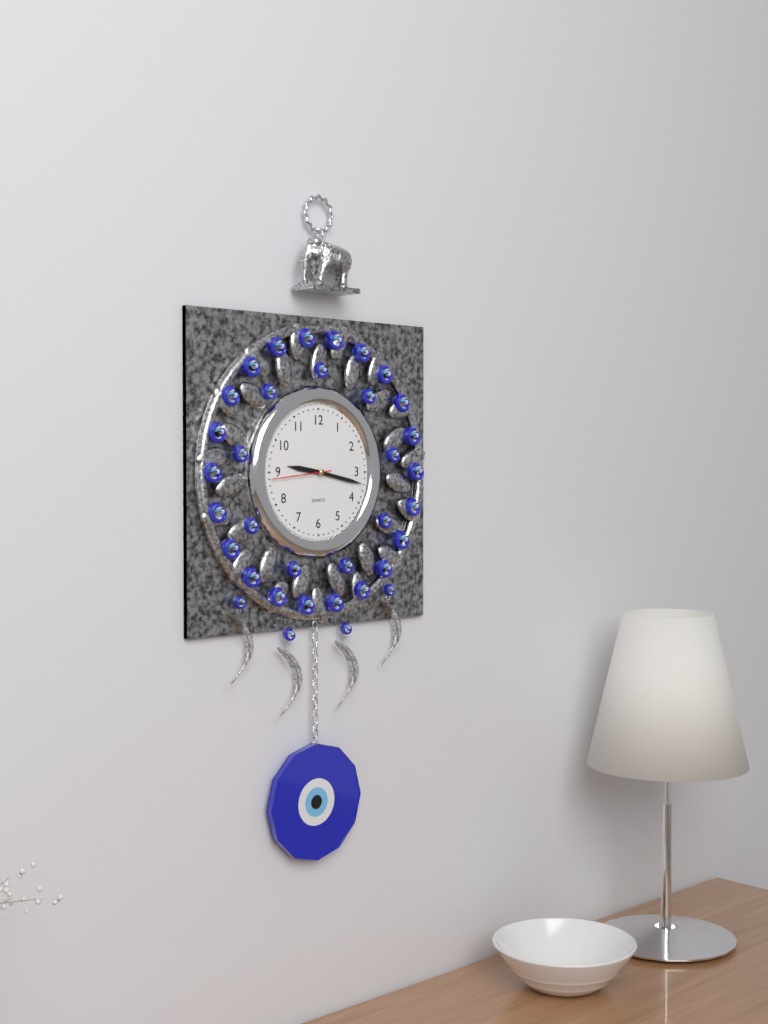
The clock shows {"hour": 9, "minute": 17, "second": 44}
